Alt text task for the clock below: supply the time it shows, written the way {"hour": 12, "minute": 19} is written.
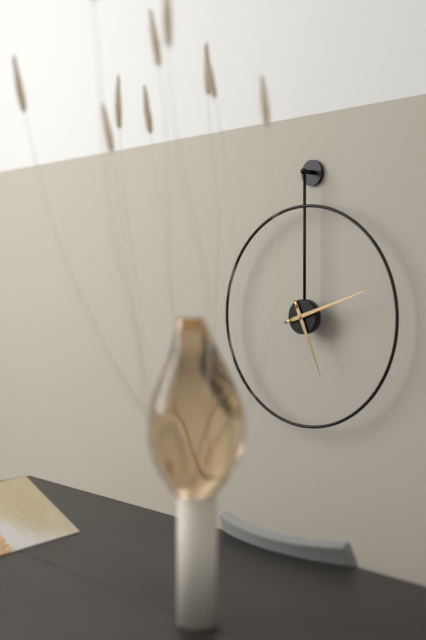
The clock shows {"hour": 5, "minute": 12}
